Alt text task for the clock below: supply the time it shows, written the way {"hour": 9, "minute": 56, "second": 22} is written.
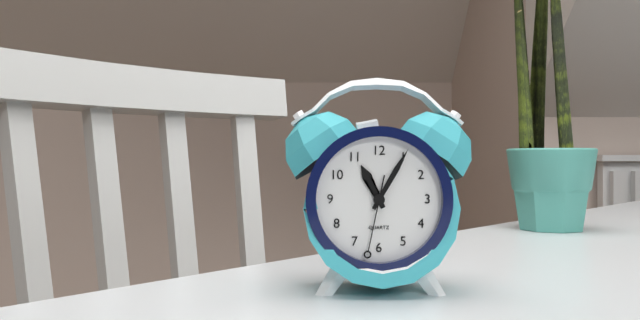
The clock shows {"hour": 11, "minute": 5, "second": 32}
